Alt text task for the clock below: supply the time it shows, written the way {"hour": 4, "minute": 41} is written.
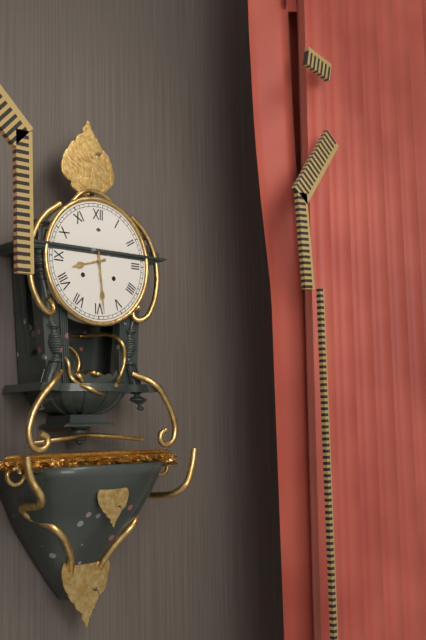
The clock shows {"hour": 8, "minute": 29}
